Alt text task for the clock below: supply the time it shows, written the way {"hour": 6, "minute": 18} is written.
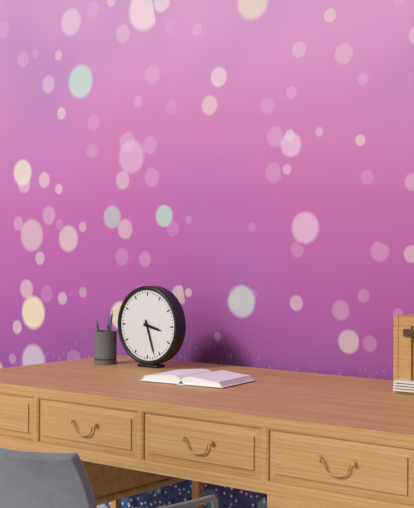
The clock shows {"hour": 3, "minute": 27}
